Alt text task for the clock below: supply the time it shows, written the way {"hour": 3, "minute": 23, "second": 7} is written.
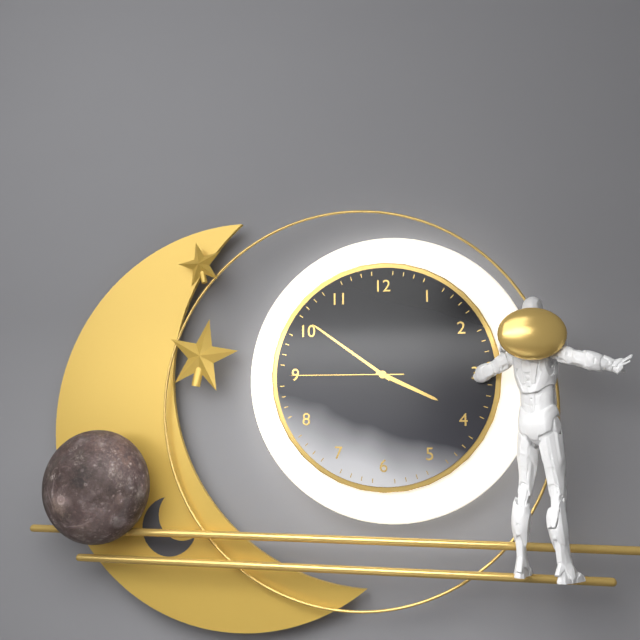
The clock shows {"hour": 3, "minute": 51, "second": 45}
